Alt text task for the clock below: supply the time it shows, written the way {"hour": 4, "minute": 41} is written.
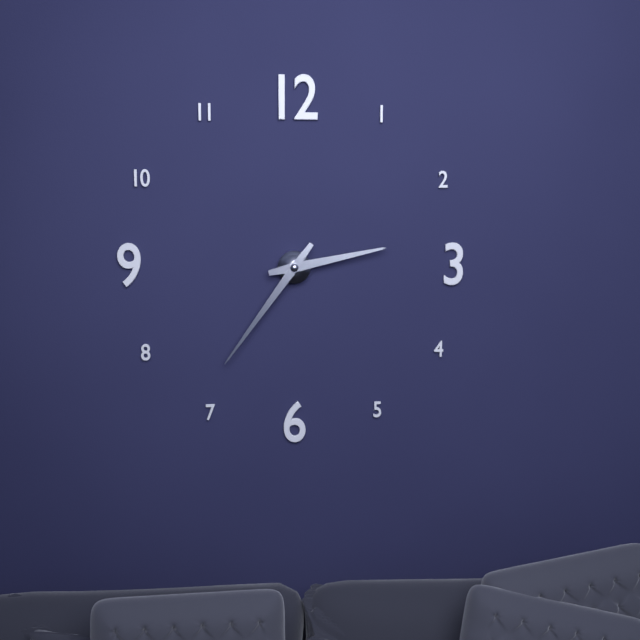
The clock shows {"hour": 2, "minute": 36}
